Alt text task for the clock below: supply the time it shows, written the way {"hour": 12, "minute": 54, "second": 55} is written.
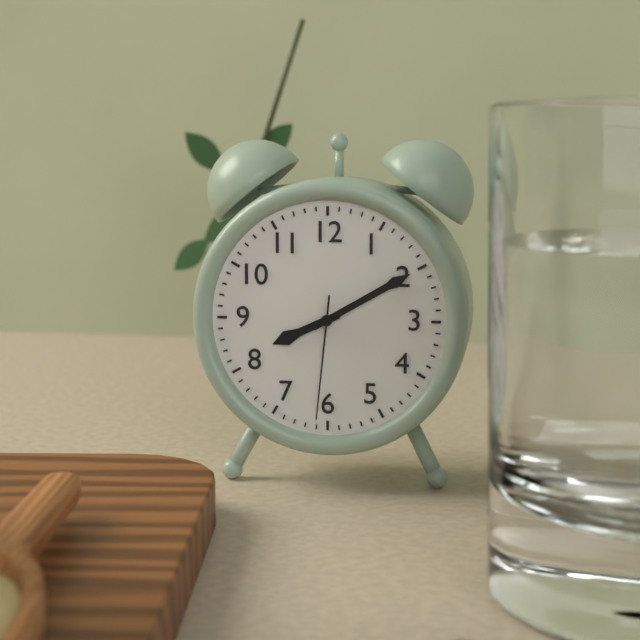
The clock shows {"hour": 8, "minute": 10, "second": 31}
